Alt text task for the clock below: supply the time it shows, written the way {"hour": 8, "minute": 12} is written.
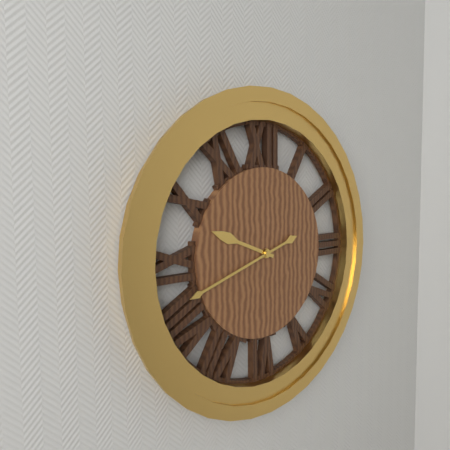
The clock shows {"hour": 9, "minute": 42}
